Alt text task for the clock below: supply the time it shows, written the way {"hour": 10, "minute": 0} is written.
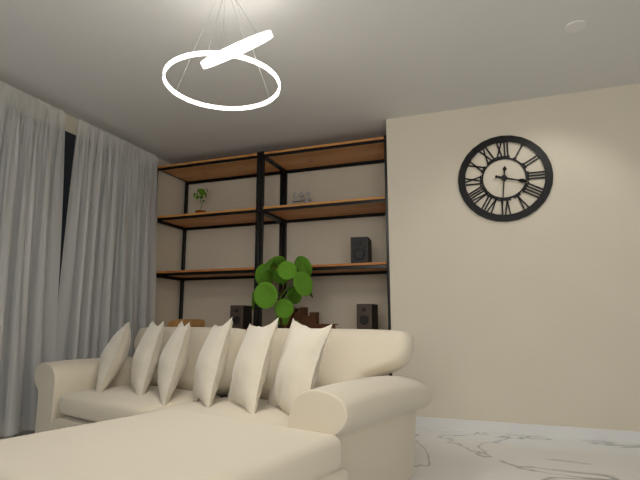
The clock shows {"hour": 3, "minute": 31}
